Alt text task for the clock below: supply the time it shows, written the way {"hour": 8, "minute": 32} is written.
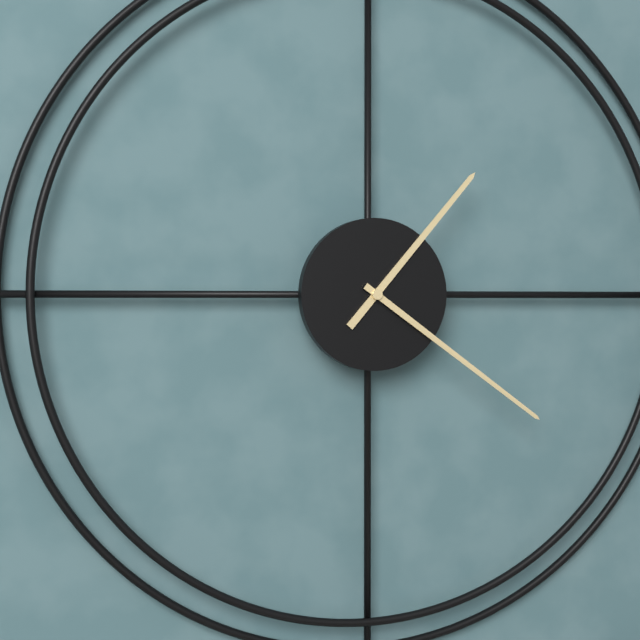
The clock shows {"hour": 1, "minute": 21}
